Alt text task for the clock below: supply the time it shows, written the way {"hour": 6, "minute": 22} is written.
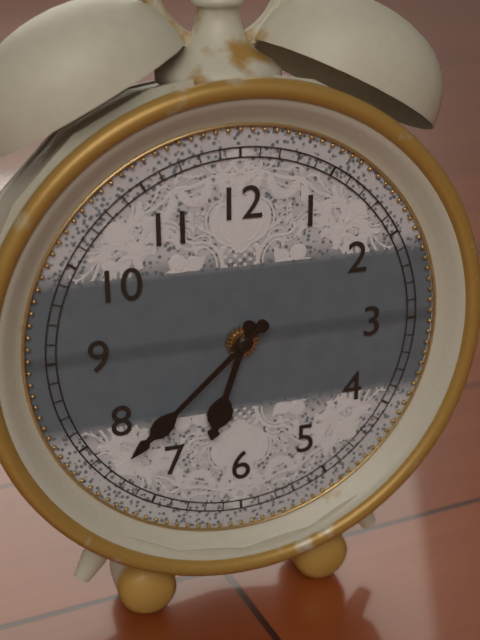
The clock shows {"hour": 6, "minute": 38}
